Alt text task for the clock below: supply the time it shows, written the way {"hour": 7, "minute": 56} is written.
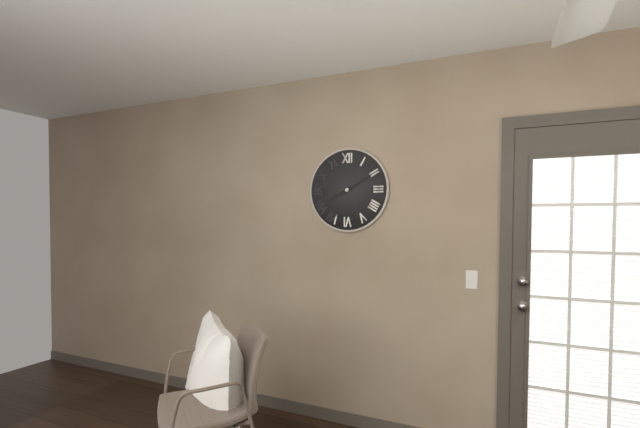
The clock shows {"hour": 8, "minute": 10}
